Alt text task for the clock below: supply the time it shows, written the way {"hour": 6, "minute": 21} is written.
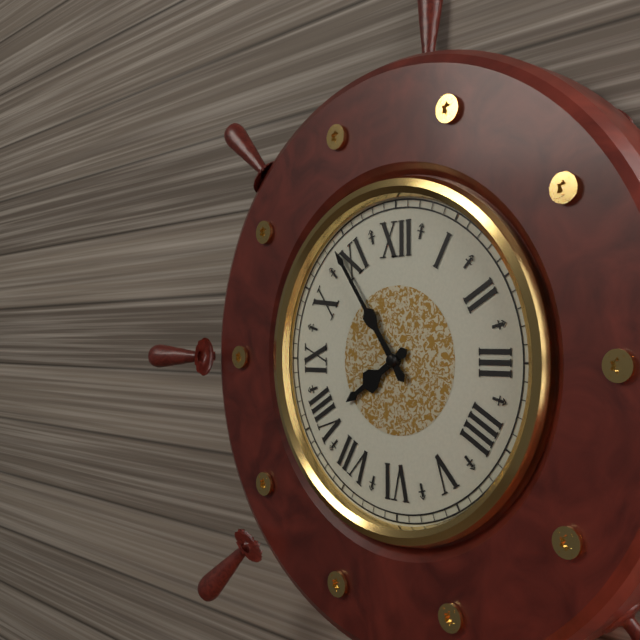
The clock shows {"hour": 7, "minute": 54}
